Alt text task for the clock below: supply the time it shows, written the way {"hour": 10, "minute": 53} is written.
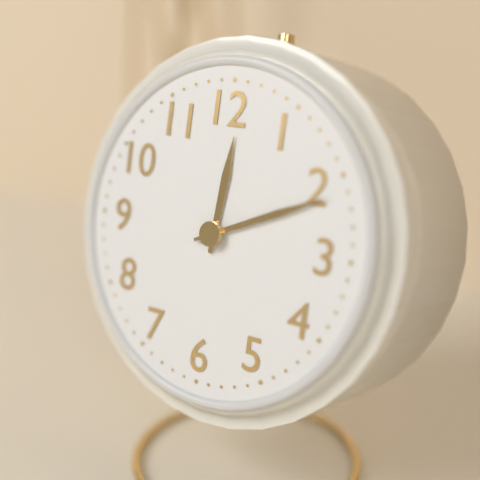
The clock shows {"hour": 12, "minute": 11}
